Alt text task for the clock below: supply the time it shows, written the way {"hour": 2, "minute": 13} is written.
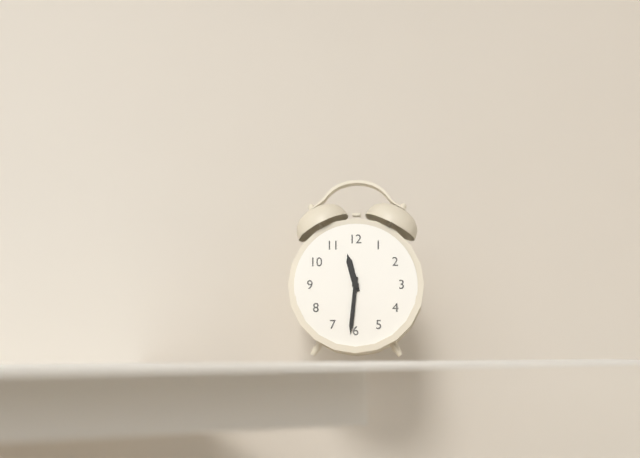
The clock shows {"hour": 11, "minute": 31}
